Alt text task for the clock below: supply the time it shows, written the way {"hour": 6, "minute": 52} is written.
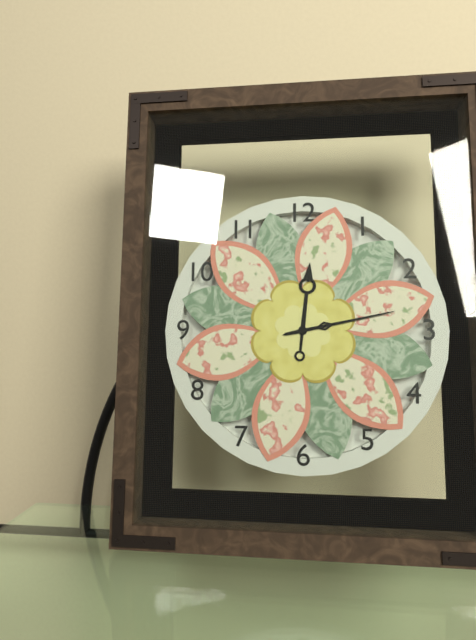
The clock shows {"hour": 12, "minute": 13}
